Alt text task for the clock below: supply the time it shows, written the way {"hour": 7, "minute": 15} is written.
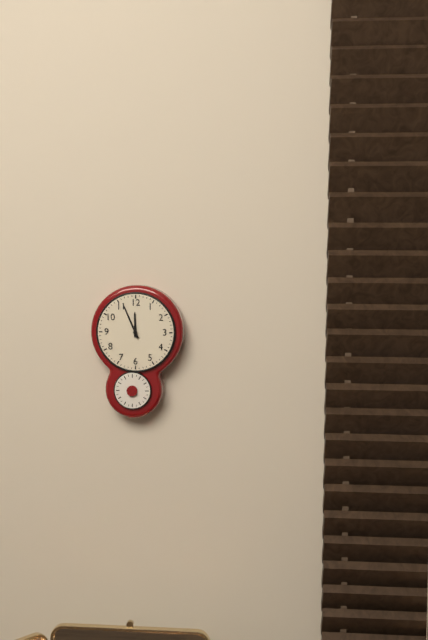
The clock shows {"hour": 11, "minute": 56}
